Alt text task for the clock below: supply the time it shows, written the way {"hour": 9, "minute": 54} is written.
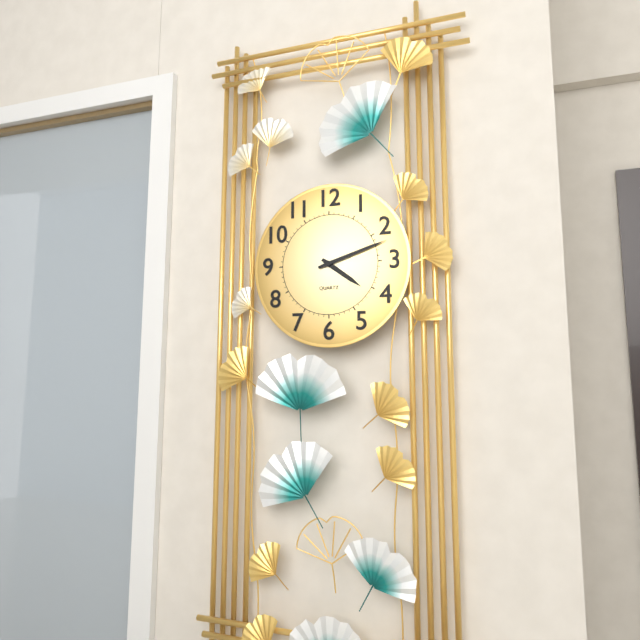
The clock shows {"hour": 4, "minute": 12}
